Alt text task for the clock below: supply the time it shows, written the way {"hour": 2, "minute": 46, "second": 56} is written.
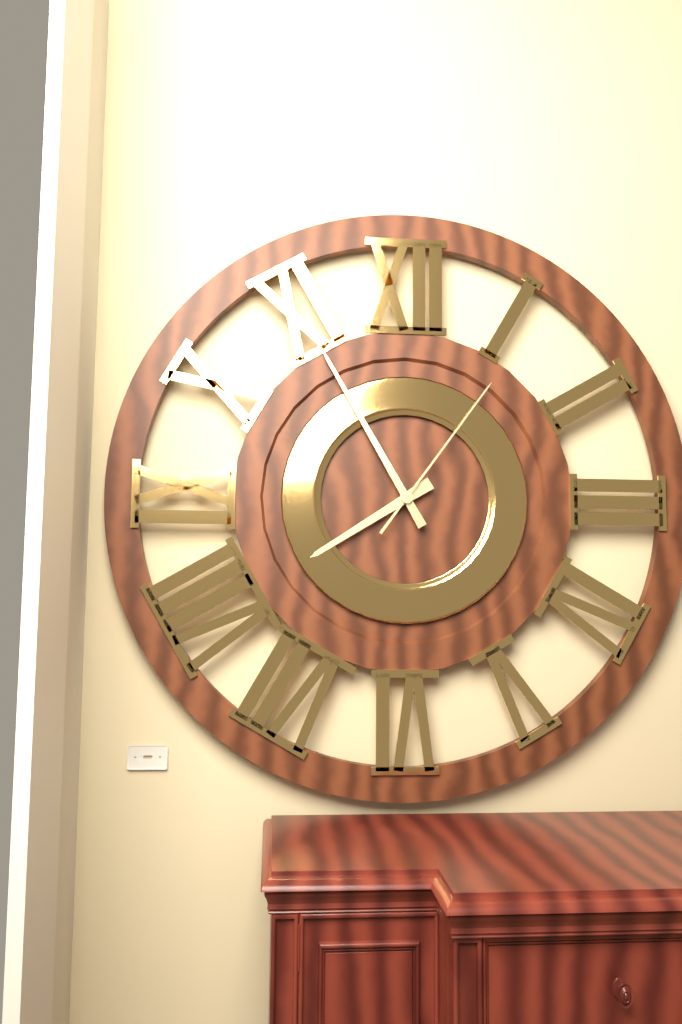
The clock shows {"hour": 7, "minute": 55, "second": 6}
